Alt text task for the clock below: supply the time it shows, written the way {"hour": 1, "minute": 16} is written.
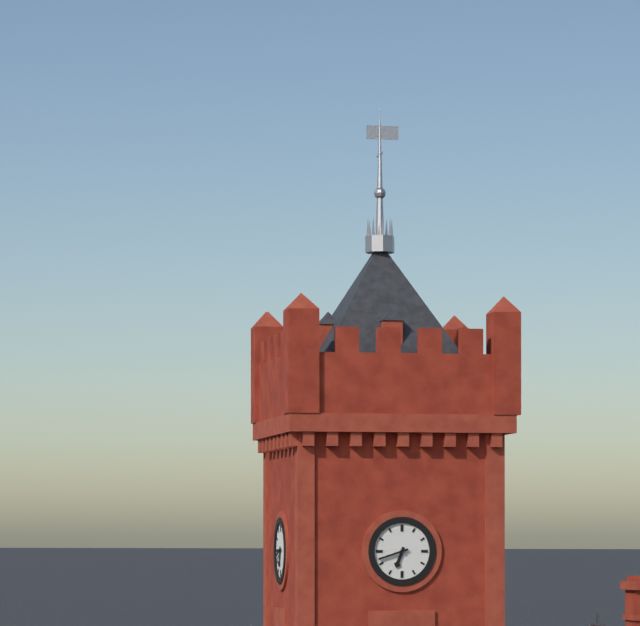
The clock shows {"hour": 6, "minute": 42}
